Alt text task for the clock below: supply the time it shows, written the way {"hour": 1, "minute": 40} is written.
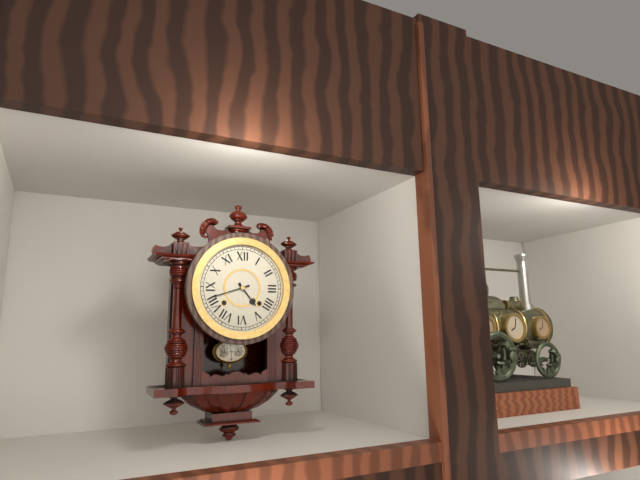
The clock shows {"hour": 4, "minute": 42}
